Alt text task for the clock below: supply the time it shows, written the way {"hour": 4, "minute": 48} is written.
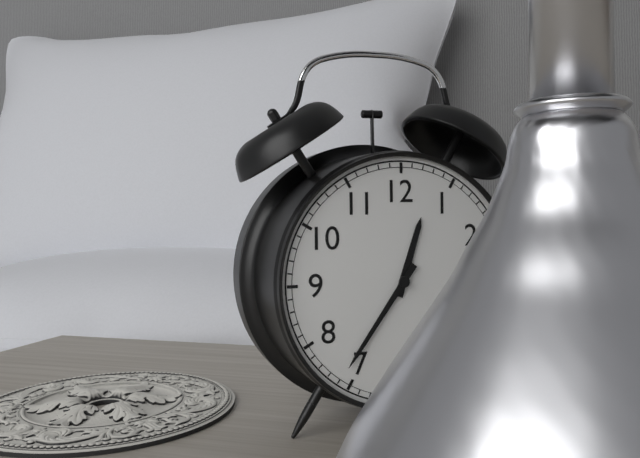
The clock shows {"hour": 12, "minute": 36}
